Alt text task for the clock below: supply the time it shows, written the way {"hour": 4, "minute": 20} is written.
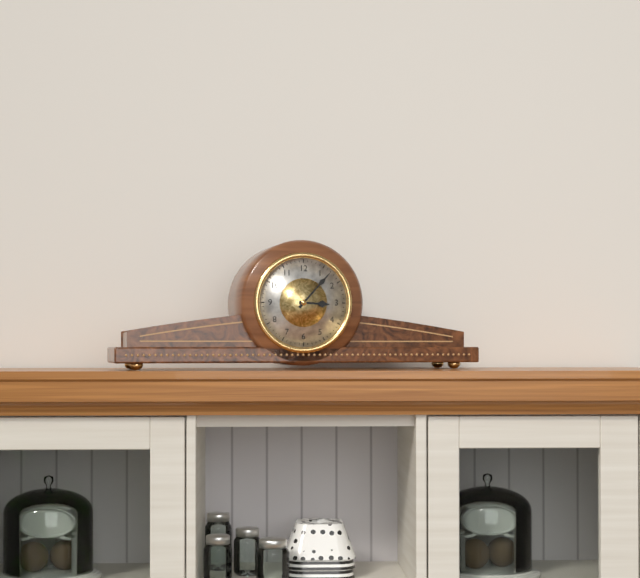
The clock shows {"hour": 3, "minute": 7}
